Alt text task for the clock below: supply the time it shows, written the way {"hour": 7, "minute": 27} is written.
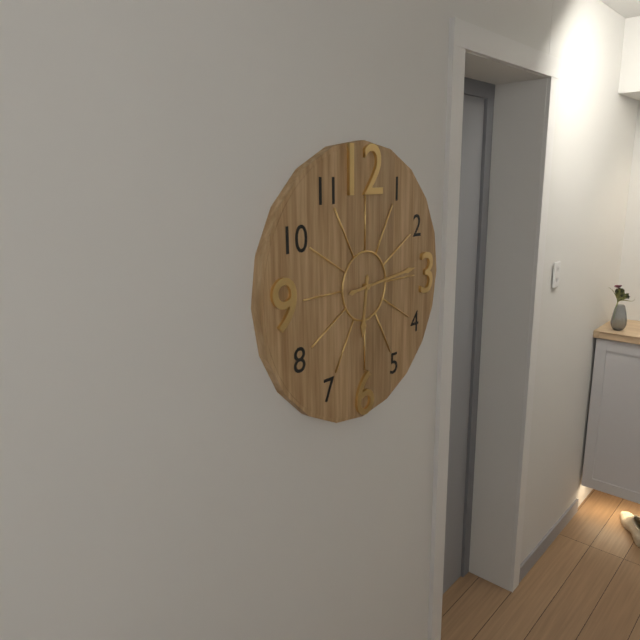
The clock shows {"hour": 6, "minute": 14}
